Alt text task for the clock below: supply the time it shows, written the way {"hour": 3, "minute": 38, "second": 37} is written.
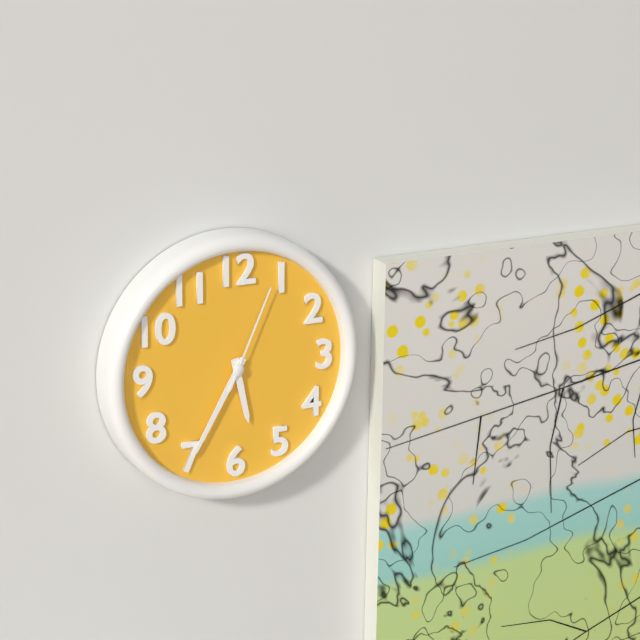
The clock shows {"hour": 5, "minute": 35, "second": 4}
